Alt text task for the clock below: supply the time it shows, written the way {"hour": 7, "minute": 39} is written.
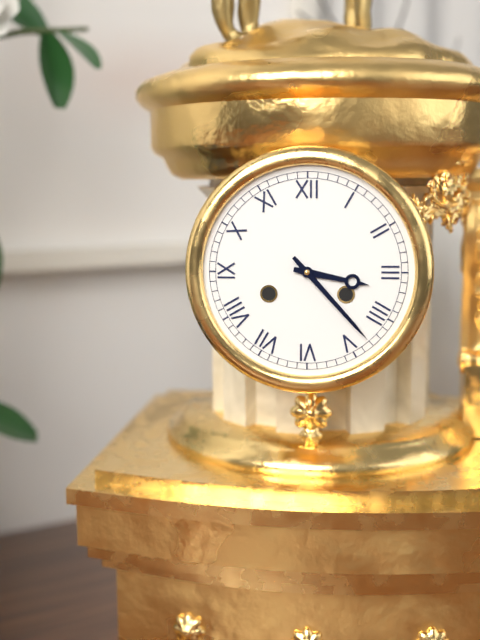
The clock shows {"hour": 3, "minute": 23}
